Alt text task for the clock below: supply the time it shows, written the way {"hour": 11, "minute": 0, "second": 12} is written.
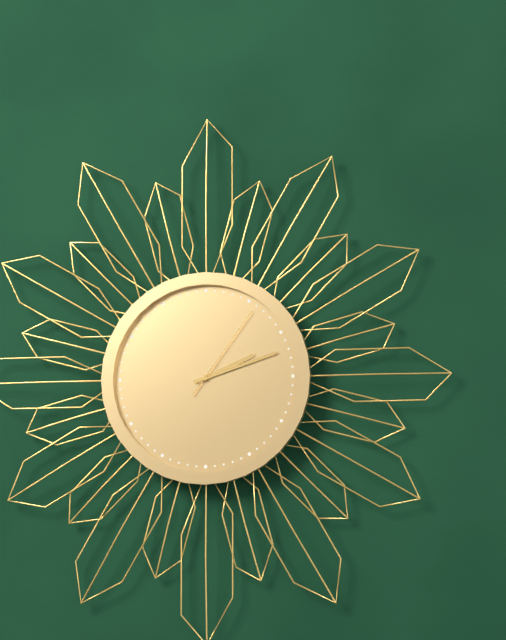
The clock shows {"hour": 2, "minute": 12, "second": 6}
